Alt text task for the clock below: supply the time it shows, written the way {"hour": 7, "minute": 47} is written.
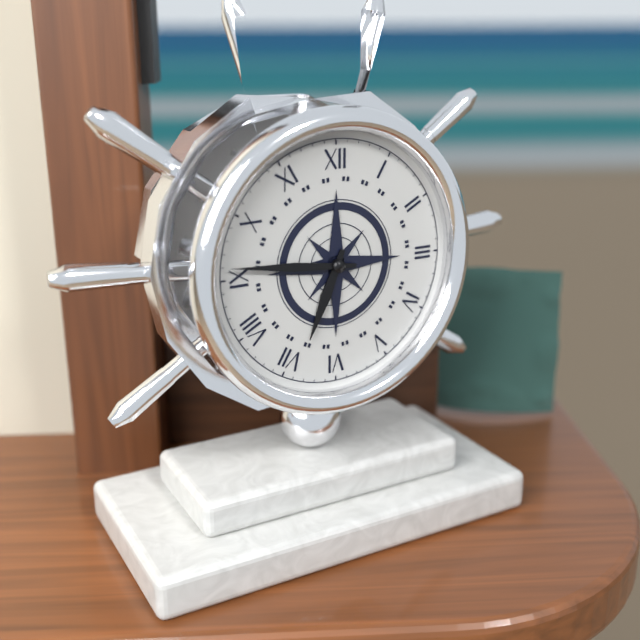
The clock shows {"hour": 6, "minute": 46}
